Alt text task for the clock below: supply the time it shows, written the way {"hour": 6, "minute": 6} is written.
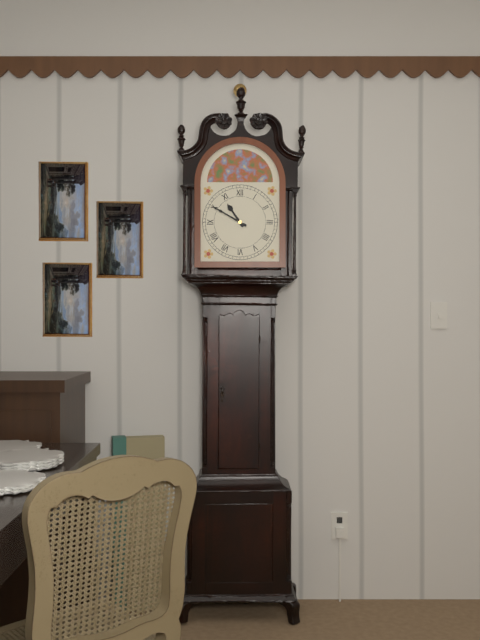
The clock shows {"hour": 10, "minute": 50}
